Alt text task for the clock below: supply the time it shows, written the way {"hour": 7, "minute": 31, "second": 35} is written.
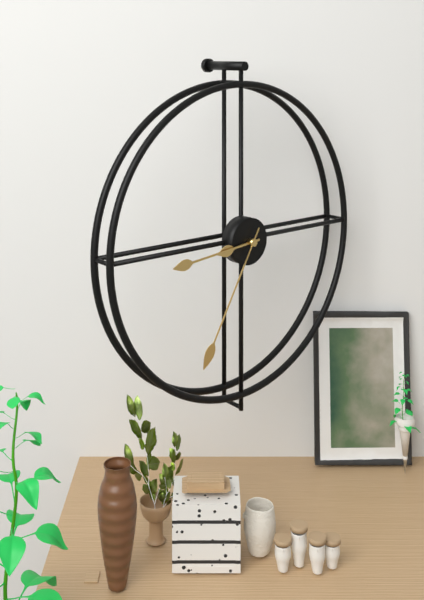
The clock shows {"hour": 8, "minute": 44, "second": 35}
